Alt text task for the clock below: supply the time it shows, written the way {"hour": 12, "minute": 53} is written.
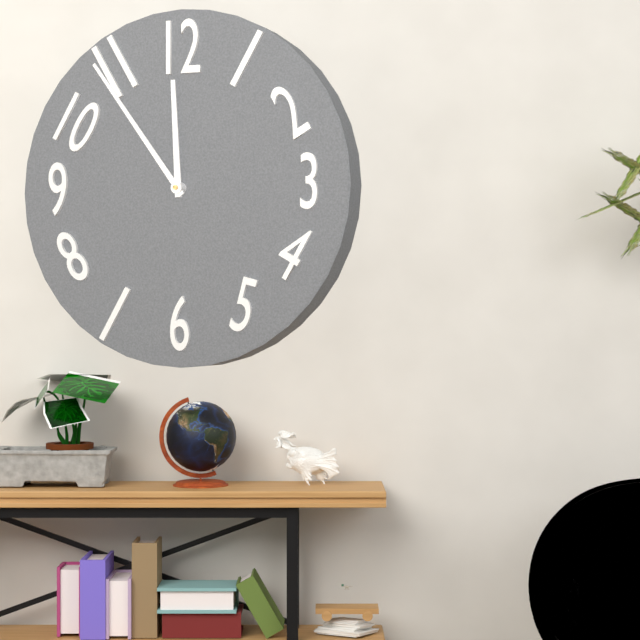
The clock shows {"hour": 11, "minute": 54}
